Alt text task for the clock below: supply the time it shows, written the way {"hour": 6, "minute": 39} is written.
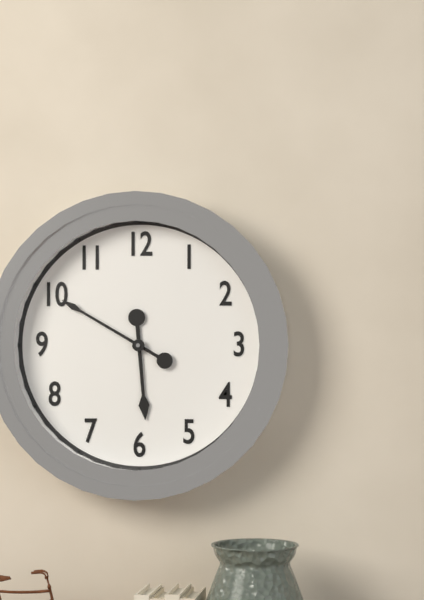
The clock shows {"hour": 5, "minute": 50}
